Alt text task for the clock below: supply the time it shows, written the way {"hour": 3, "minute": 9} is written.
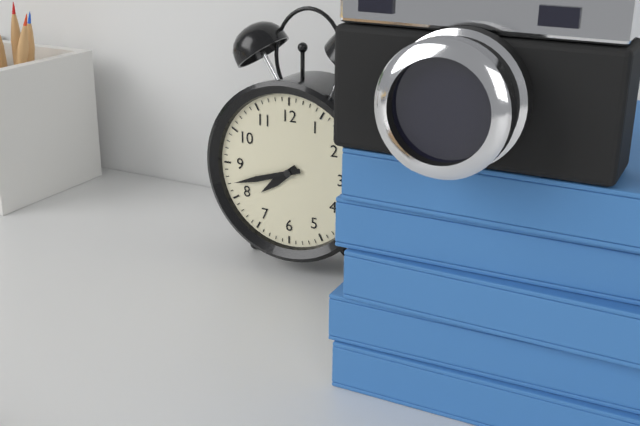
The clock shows {"hour": 7, "minute": 42}
